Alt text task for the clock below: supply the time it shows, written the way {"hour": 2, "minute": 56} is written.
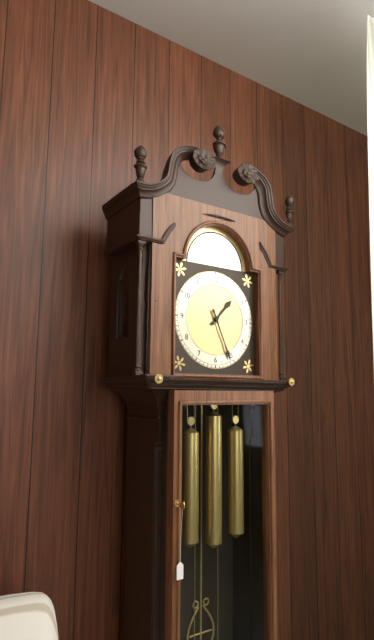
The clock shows {"hour": 1, "minute": 26}
